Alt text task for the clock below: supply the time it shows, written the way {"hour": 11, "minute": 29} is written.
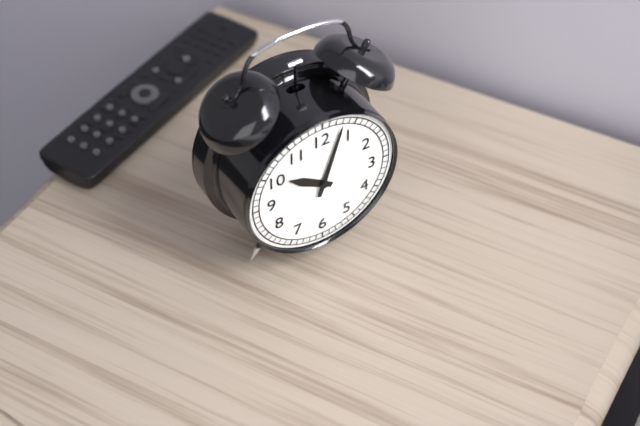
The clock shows {"hour": 10, "minute": 3}
